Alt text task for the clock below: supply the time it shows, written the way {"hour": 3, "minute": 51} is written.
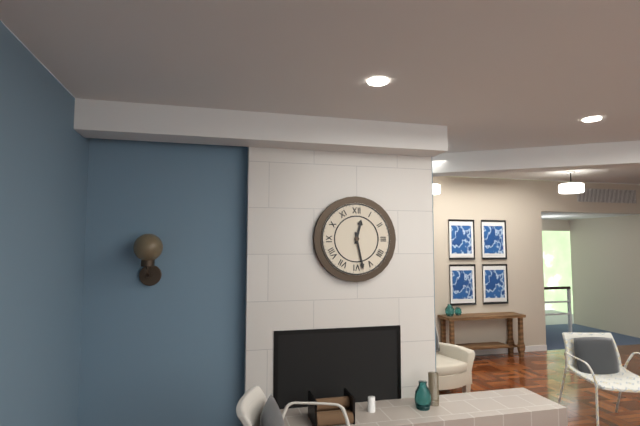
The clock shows {"hour": 12, "minute": 28}
